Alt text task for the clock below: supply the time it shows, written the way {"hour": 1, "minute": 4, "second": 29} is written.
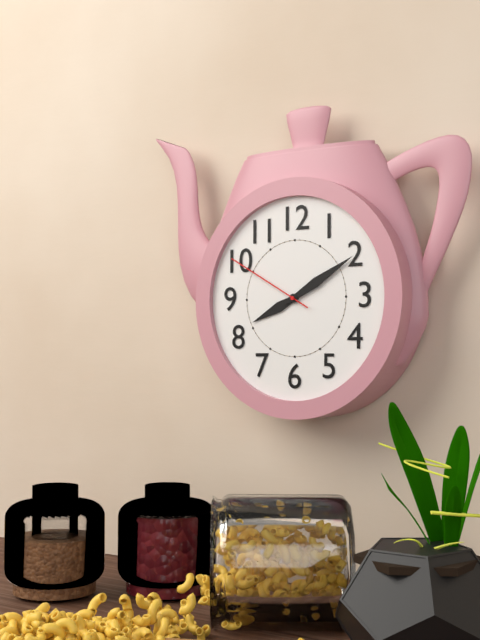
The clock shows {"hour": 8, "minute": 10, "second": 50}
